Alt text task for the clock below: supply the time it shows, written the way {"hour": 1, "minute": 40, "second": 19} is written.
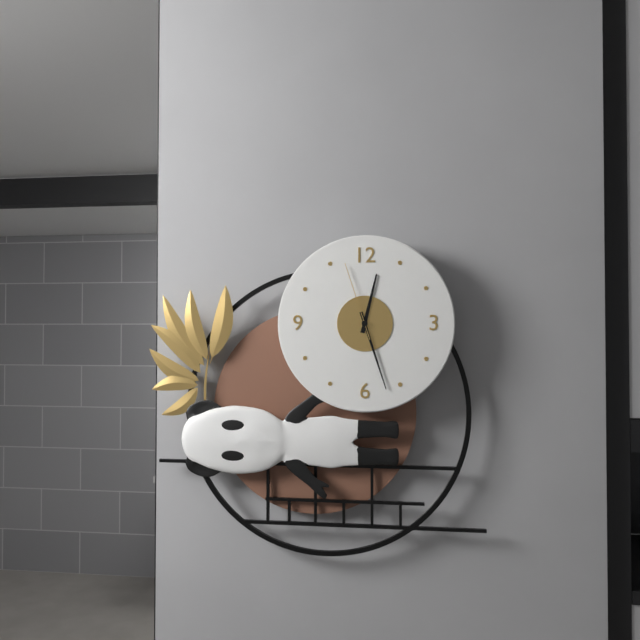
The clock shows {"hour": 12, "minute": 27, "second": 57}
